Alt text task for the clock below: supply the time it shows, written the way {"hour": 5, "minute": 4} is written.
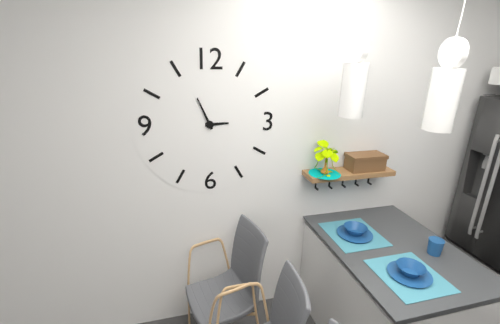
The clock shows {"hour": 2, "minute": 56}
